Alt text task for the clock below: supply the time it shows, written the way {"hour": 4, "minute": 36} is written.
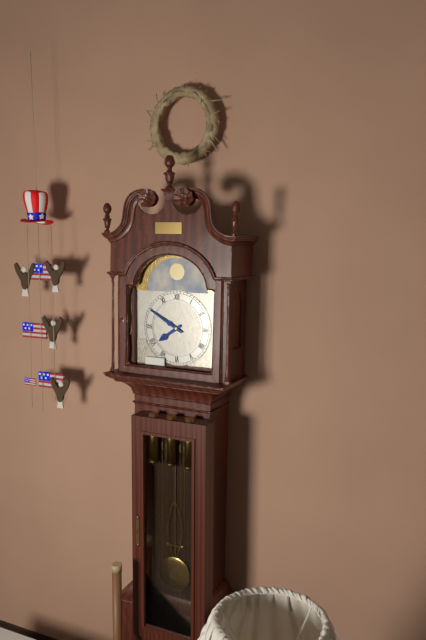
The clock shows {"hour": 7, "minute": 50}
